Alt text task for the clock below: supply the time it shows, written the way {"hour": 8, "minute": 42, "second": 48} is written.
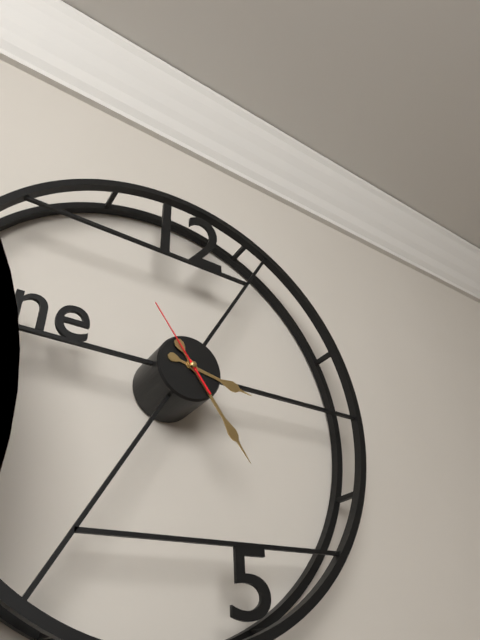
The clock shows {"hour": 3, "minute": 24, "second": 54}
